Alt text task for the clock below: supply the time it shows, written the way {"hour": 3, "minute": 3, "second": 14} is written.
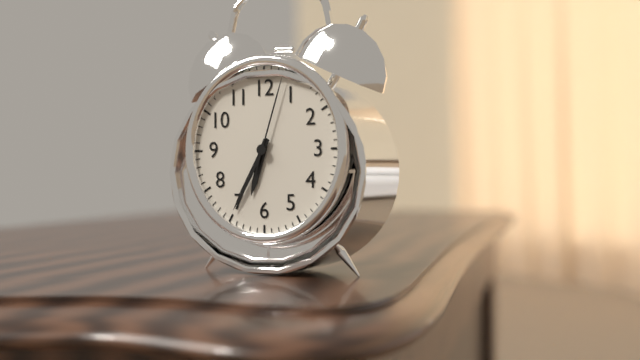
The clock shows {"hour": 6, "minute": 35, "second": 3}
